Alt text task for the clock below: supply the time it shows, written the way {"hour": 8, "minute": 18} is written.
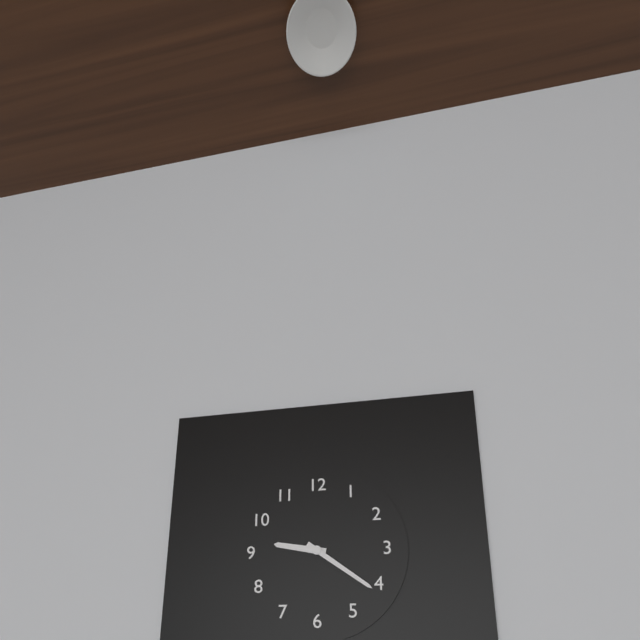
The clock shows {"hour": 9, "minute": 21}
